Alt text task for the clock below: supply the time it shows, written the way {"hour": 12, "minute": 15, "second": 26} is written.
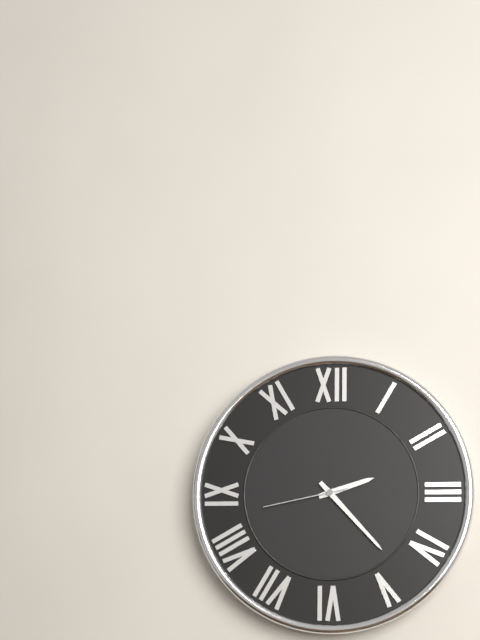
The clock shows {"hour": 2, "minute": 23, "second": 43}
